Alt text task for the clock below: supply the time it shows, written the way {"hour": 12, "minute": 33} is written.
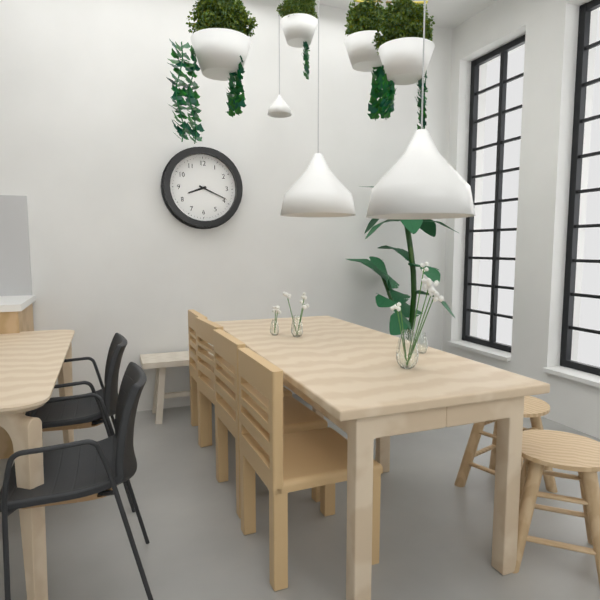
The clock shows {"hour": 8, "minute": 19}
